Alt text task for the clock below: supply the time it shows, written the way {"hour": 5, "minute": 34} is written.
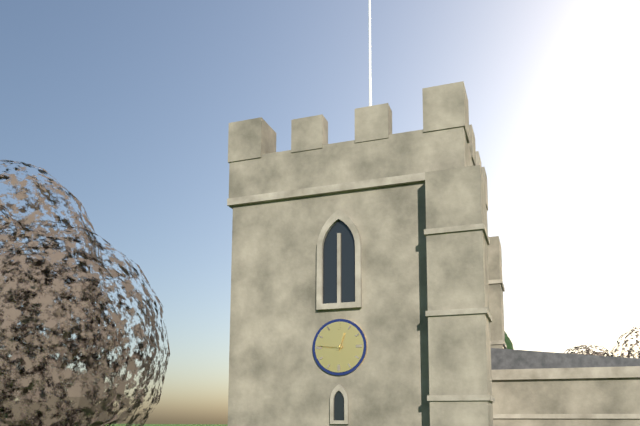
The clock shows {"hour": 12, "minute": 46}
